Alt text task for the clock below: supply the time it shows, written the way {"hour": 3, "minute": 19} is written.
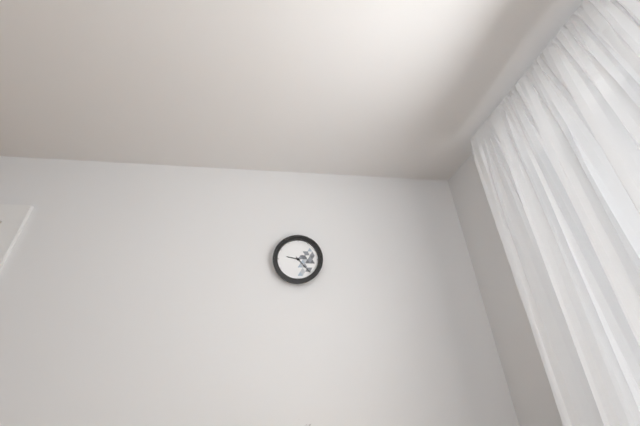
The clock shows {"hour": 9, "minute": 23}
